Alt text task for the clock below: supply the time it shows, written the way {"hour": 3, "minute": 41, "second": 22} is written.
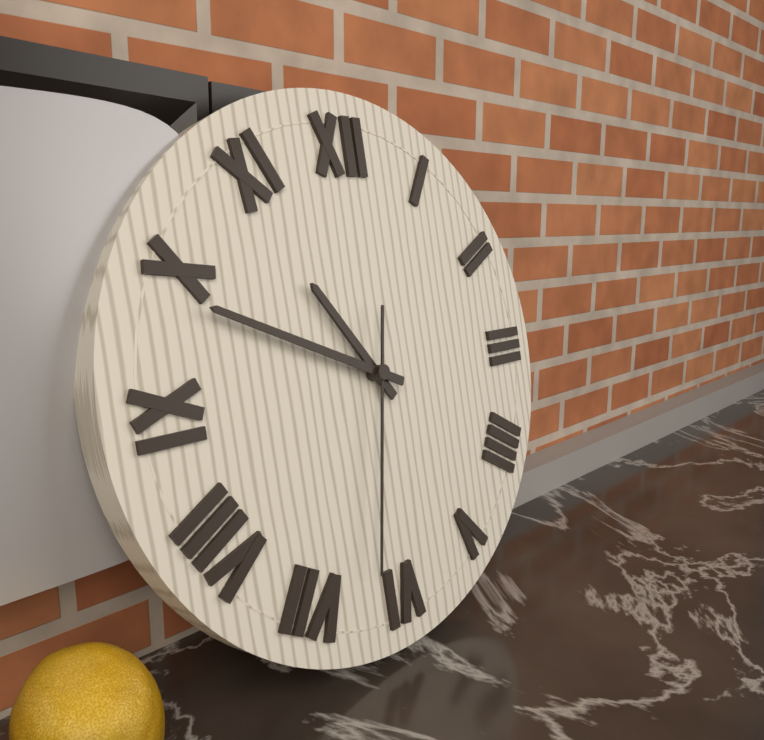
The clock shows {"hour": 10, "minute": 49, "second": 32}
